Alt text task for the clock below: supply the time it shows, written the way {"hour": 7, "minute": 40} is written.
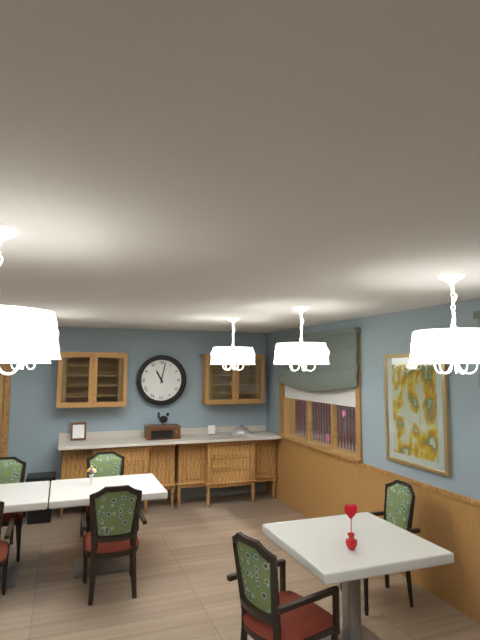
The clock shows {"hour": 11, "minute": 2}
